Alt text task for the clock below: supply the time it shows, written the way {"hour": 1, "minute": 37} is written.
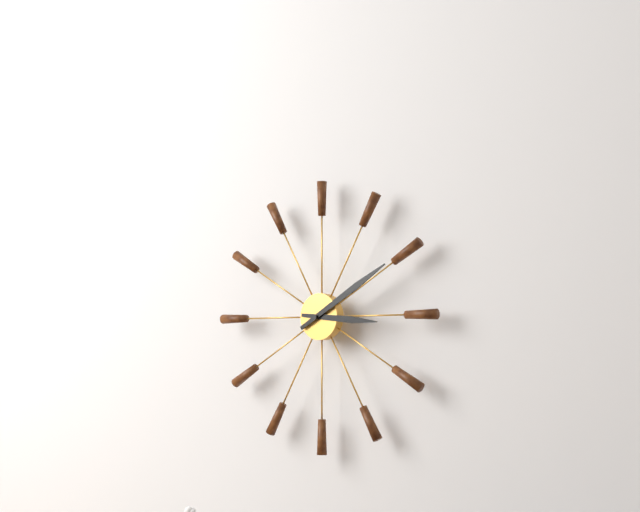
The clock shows {"hour": 3, "minute": 10}
